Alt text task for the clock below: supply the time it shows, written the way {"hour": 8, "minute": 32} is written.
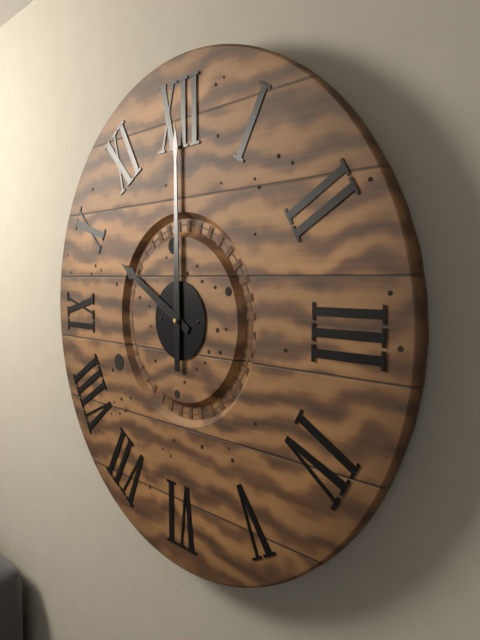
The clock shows {"hour": 10, "minute": 0}
